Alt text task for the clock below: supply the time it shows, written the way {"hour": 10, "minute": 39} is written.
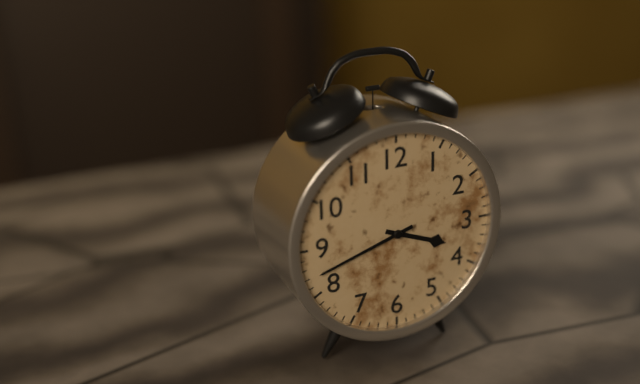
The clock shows {"hour": 3, "minute": 42}
